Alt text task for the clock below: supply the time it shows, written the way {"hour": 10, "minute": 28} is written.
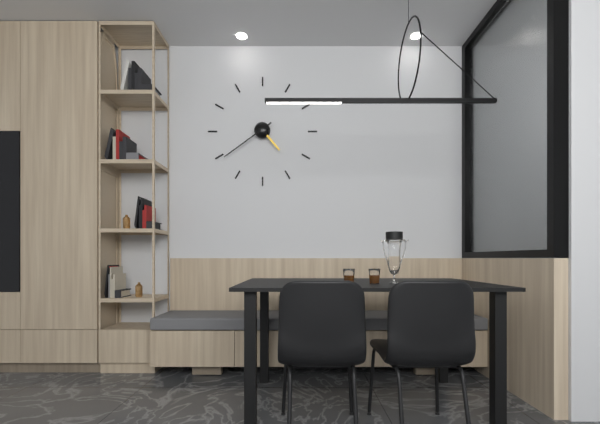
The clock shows {"hour": 4, "minute": 39}
